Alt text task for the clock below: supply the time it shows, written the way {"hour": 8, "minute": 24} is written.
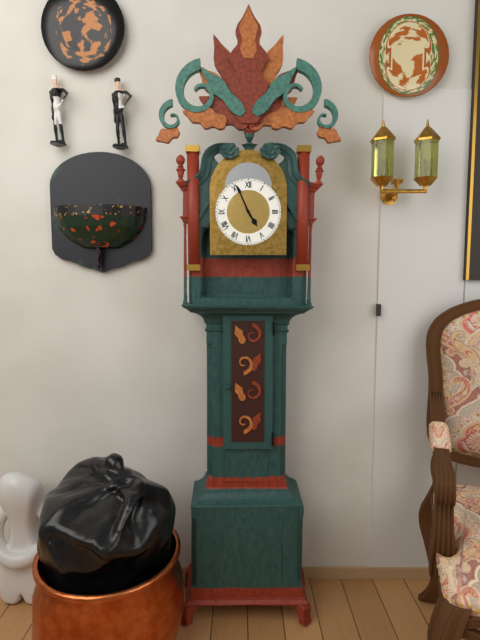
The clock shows {"hour": 4, "minute": 56}
